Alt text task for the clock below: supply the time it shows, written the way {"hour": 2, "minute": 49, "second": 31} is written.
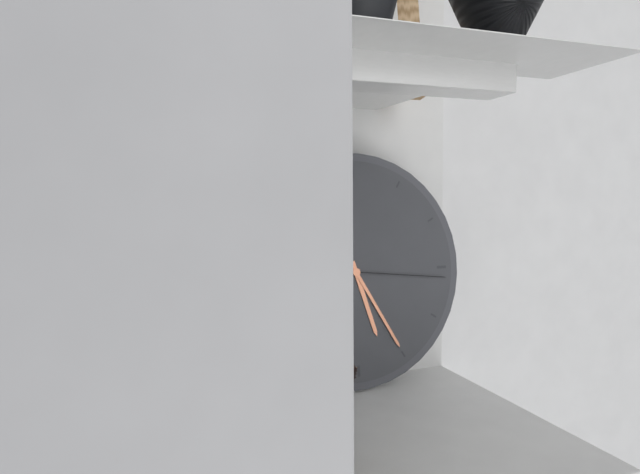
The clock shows {"hour": 5, "minute": 25, "second": 16}
